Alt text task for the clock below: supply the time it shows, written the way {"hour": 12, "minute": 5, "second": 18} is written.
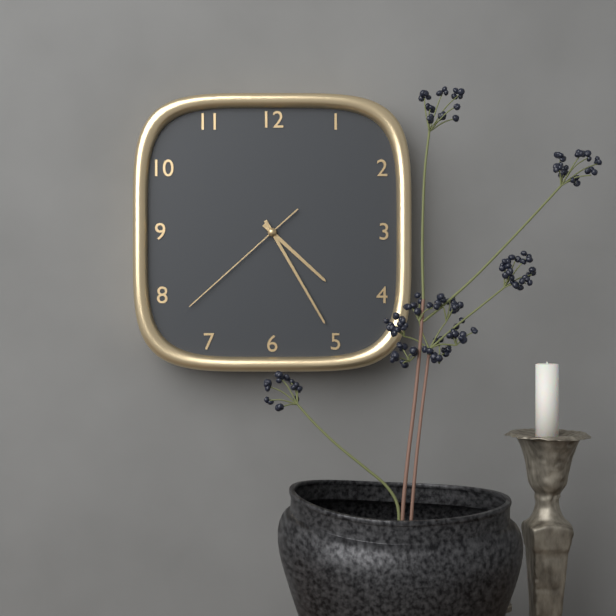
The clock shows {"hour": 4, "minute": 25, "second": 38}
